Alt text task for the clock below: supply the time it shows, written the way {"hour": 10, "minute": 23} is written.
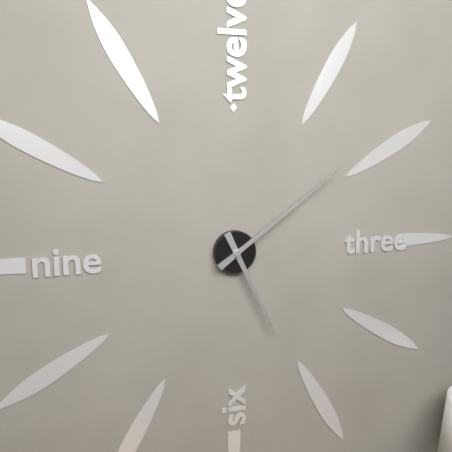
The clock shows {"hour": 5, "minute": 9}
